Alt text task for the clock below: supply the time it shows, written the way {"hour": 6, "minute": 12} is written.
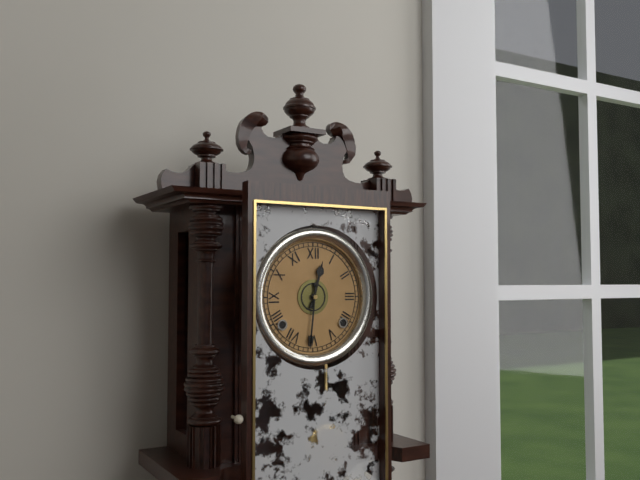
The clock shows {"hour": 12, "minute": 31}
